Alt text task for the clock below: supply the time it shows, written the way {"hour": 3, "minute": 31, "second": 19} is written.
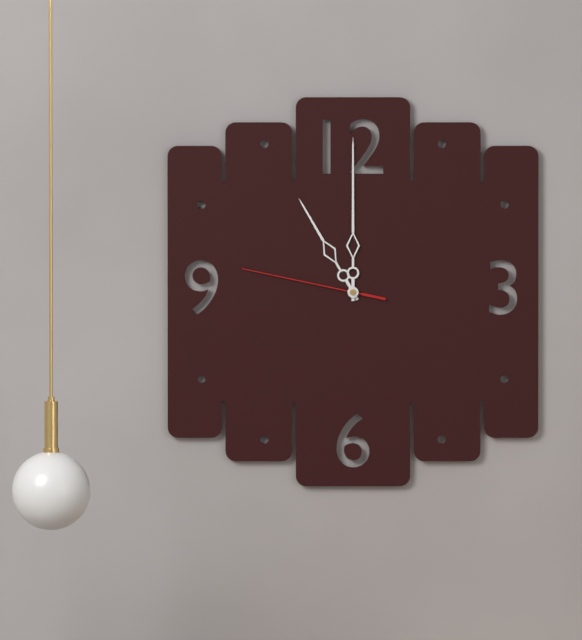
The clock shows {"hour": 11, "minute": 0, "second": 47}
